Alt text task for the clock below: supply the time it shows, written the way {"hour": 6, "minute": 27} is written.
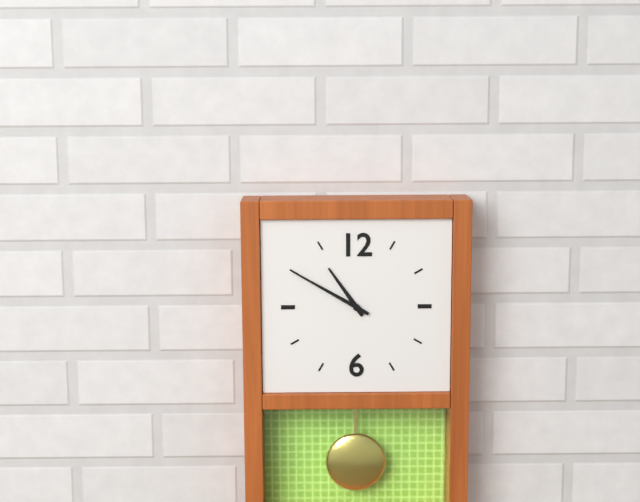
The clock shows {"hour": 10, "minute": 50}
